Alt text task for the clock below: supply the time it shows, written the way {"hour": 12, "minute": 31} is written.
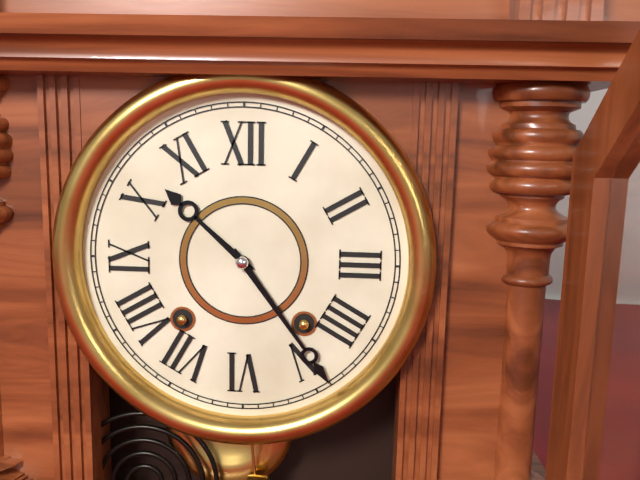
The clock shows {"hour": 10, "minute": 24}
